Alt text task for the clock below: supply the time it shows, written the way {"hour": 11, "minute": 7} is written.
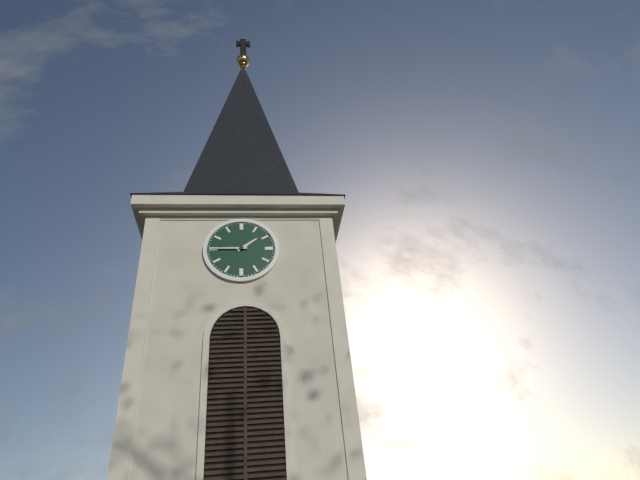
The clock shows {"hour": 1, "minute": 45}
